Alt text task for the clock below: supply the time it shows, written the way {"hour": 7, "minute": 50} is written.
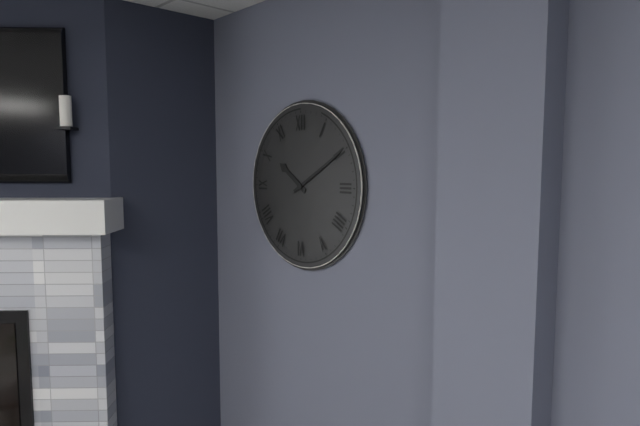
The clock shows {"hour": 10, "minute": 10}
